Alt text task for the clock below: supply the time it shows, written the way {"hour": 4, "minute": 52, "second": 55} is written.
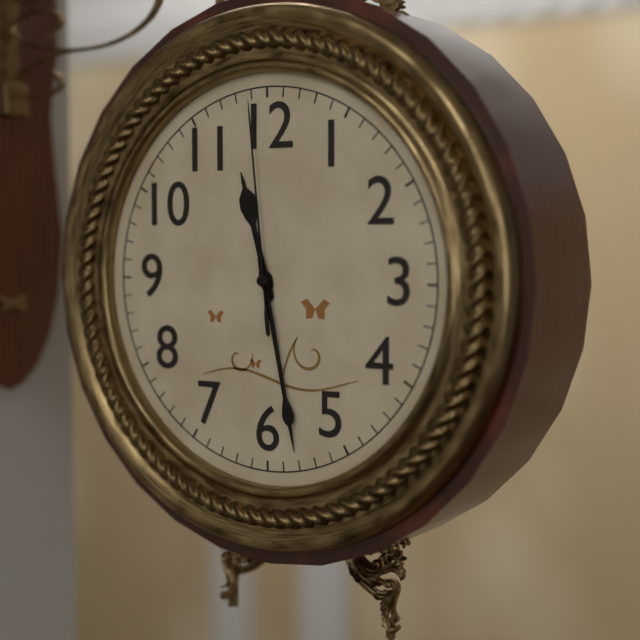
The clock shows {"hour": 11, "minute": 28, "second": 59}
